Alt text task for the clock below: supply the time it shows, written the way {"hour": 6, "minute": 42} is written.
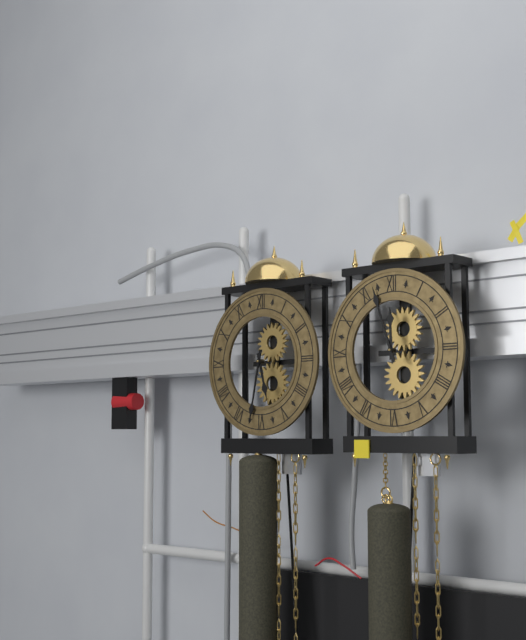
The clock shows {"hour": 5, "minute": 32}
